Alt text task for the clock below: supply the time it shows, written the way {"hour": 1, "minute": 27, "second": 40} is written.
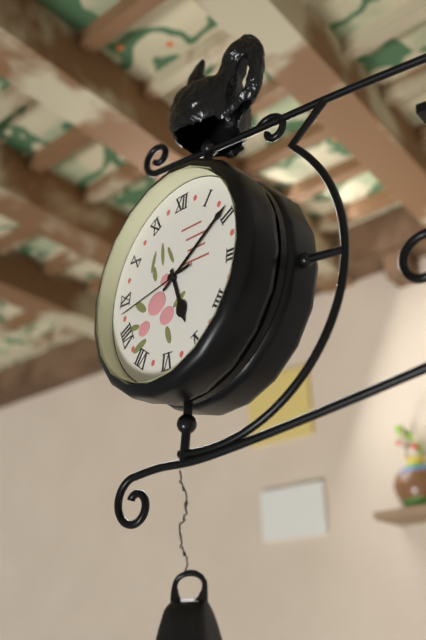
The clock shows {"hour": 5, "minute": 9, "second": 43}
